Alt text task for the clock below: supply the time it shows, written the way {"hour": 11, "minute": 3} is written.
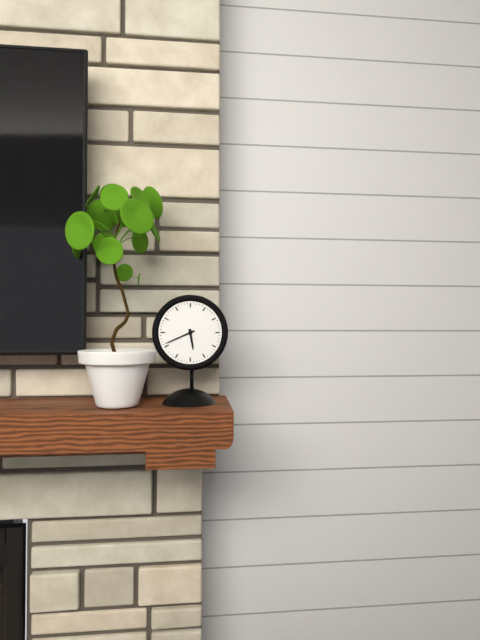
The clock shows {"hour": 5, "minute": 41}
